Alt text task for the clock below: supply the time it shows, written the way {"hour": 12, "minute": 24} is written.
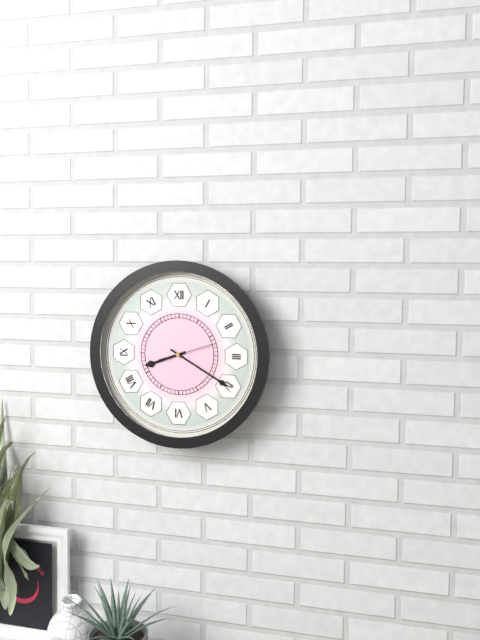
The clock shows {"hour": 8, "minute": 20}
